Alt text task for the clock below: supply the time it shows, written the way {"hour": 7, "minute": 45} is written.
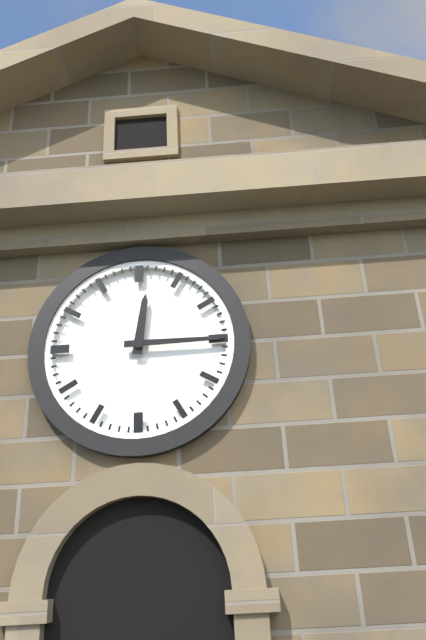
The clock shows {"hour": 12, "minute": 15}
